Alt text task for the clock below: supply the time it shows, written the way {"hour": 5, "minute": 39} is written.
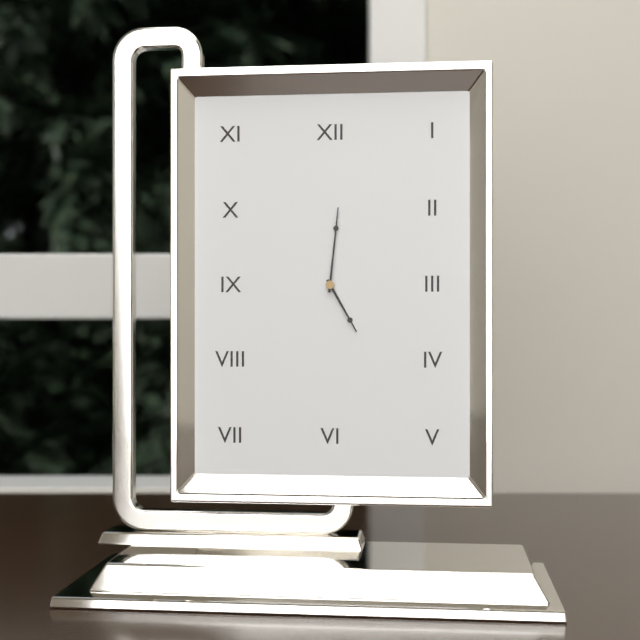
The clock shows {"hour": 5, "minute": 1}
